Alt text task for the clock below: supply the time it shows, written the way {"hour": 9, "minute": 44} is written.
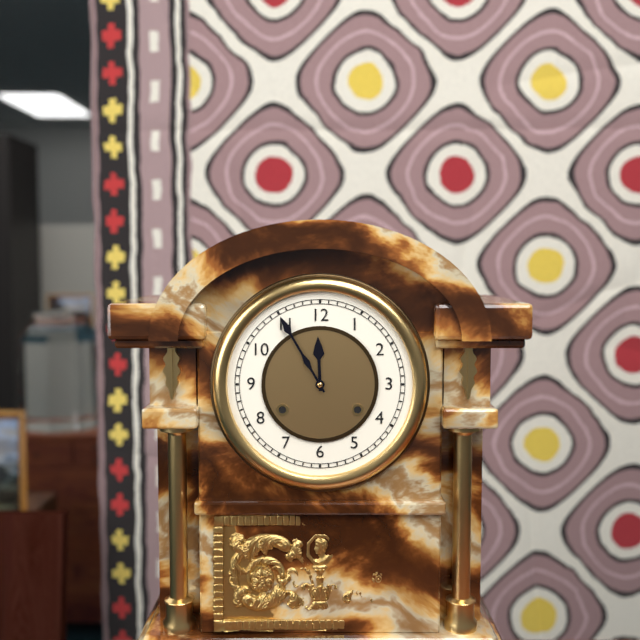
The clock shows {"hour": 11, "minute": 55}
